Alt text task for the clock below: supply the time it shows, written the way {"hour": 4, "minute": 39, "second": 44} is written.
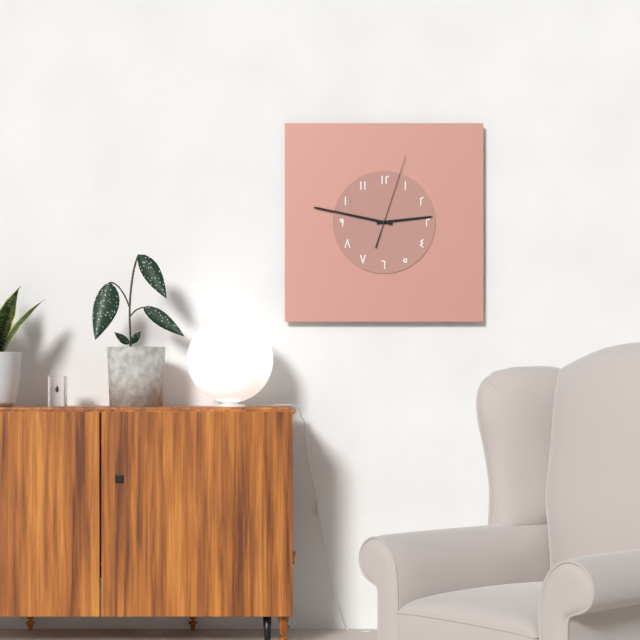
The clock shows {"hour": 2, "minute": 47, "second": 3}
